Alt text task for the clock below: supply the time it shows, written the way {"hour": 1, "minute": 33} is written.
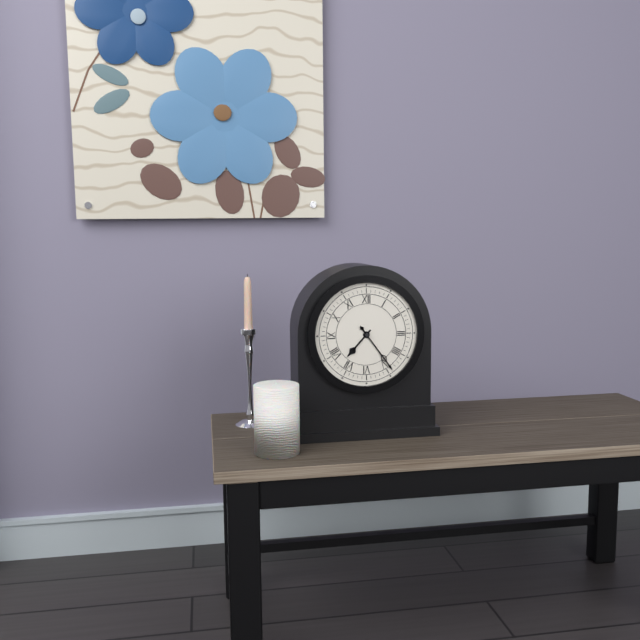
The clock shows {"hour": 7, "minute": 24}
